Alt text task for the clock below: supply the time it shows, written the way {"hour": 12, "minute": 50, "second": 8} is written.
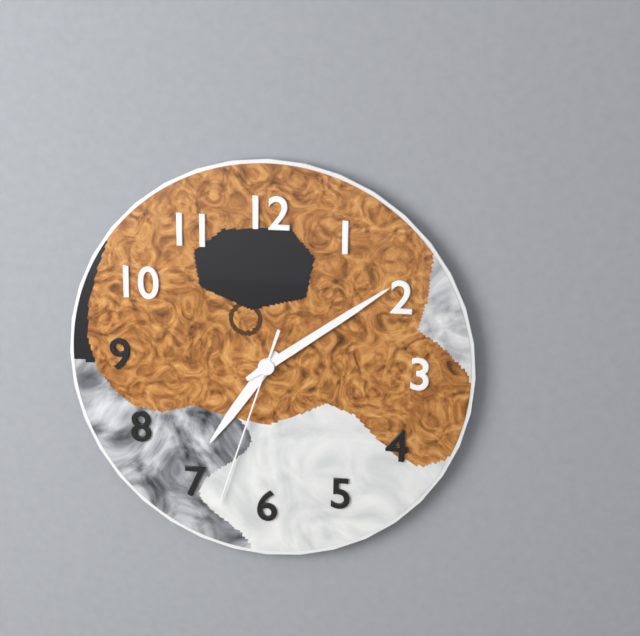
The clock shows {"hour": 7, "minute": 9, "second": 33}
